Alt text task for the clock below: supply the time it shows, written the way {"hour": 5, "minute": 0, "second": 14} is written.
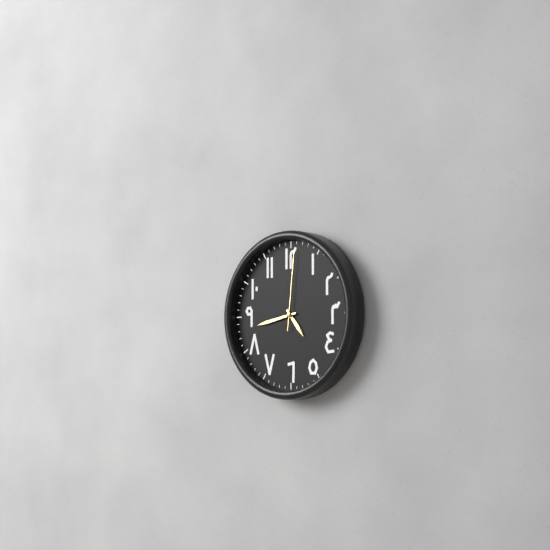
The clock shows {"hour": 4, "minute": 43, "second": 1}
